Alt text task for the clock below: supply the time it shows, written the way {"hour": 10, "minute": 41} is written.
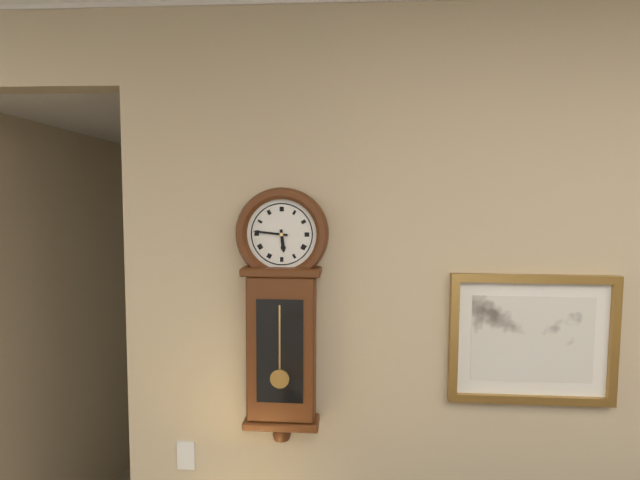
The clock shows {"hour": 5, "minute": 46}
